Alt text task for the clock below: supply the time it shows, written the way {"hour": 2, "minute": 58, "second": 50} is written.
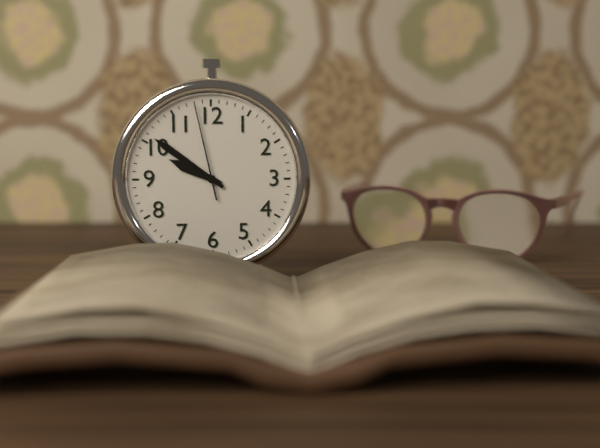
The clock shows {"hour": 9, "minute": 51, "second": 58}
